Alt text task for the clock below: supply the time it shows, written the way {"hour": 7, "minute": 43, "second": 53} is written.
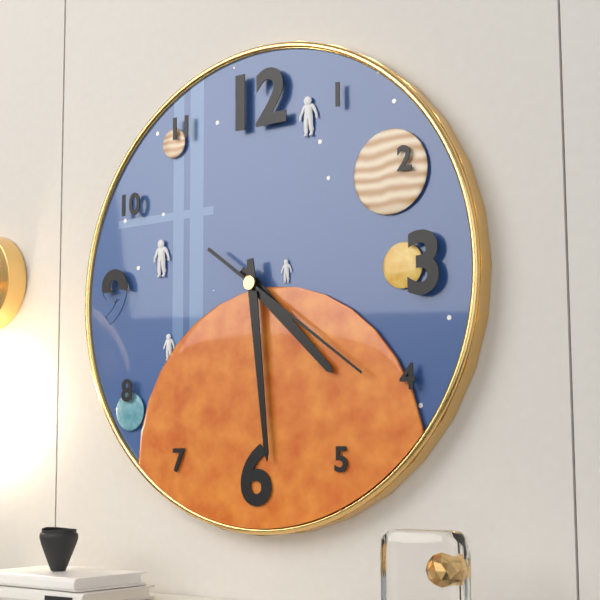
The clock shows {"hour": 4, "minute": 29, "second": 21}
